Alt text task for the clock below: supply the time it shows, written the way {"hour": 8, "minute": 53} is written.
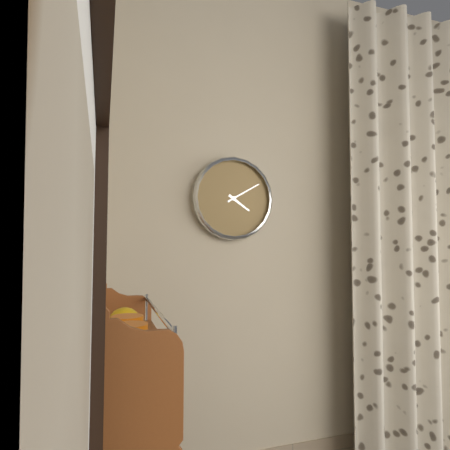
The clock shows {"hour": 4, "minute": 10}
